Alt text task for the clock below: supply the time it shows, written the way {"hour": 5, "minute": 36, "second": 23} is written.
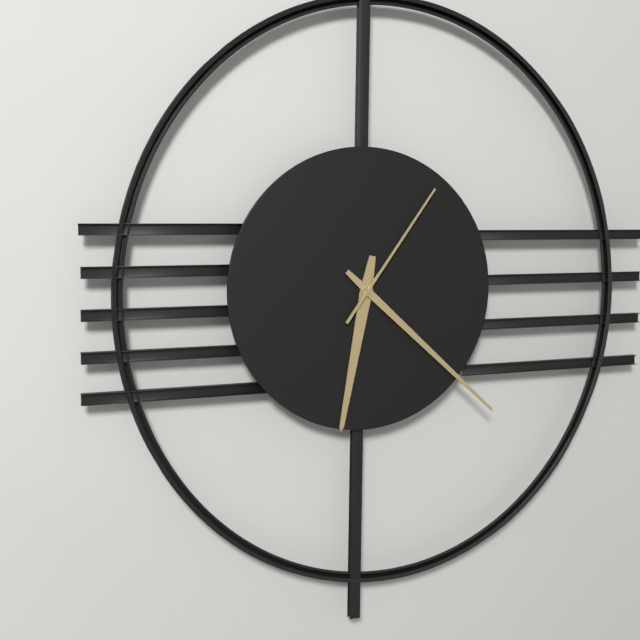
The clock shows {"hour": 6, "minute": 22, "second": 6}
